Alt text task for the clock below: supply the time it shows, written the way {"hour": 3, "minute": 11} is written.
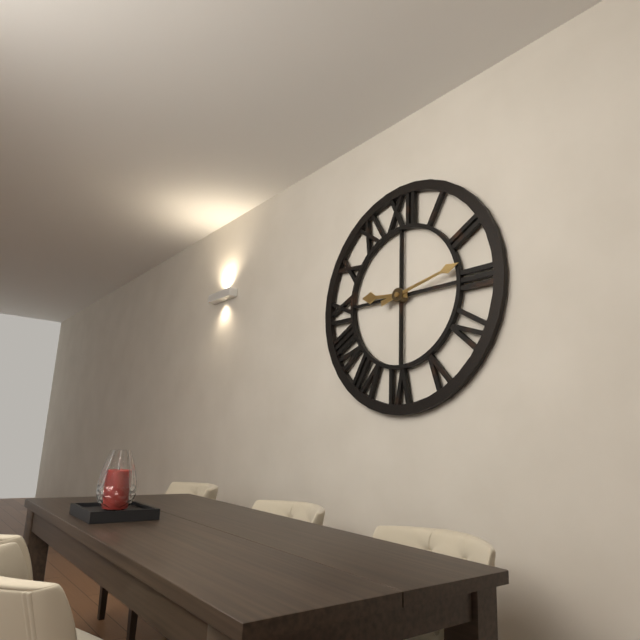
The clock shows {"hour": 9, "minute": 13}
